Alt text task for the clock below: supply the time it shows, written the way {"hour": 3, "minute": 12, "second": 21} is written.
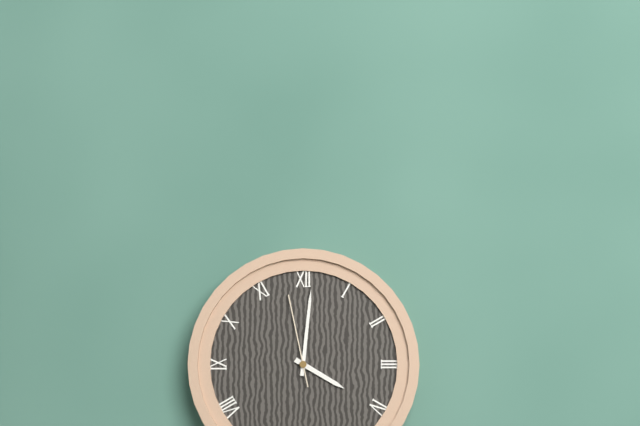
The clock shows {"hour": 4, "minute": 1, "second": 58}
